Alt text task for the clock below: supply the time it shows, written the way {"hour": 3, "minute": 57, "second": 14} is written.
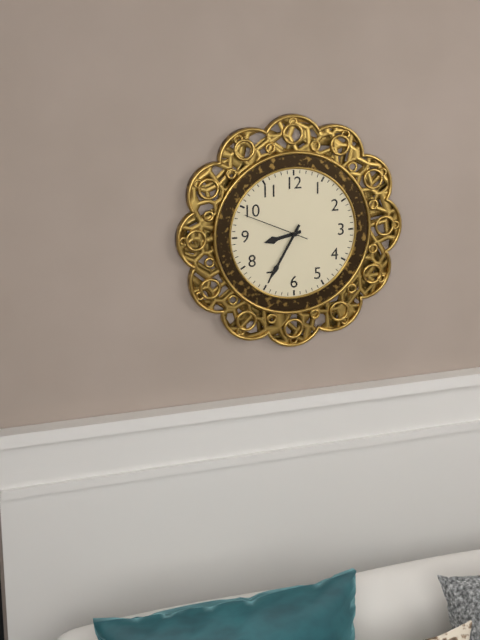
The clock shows {"hour": 8, "minute": 35, "second": 49}
